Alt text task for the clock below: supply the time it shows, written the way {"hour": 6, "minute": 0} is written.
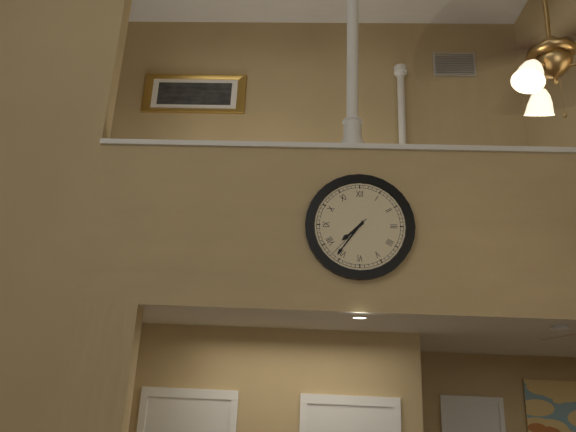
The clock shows {"hour": 7, "minute": 36}
